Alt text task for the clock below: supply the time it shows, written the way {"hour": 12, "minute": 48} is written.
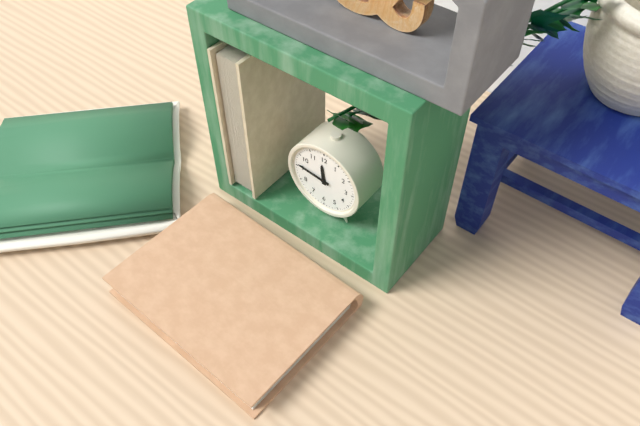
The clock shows {"hour": 11, "minute": 46}
